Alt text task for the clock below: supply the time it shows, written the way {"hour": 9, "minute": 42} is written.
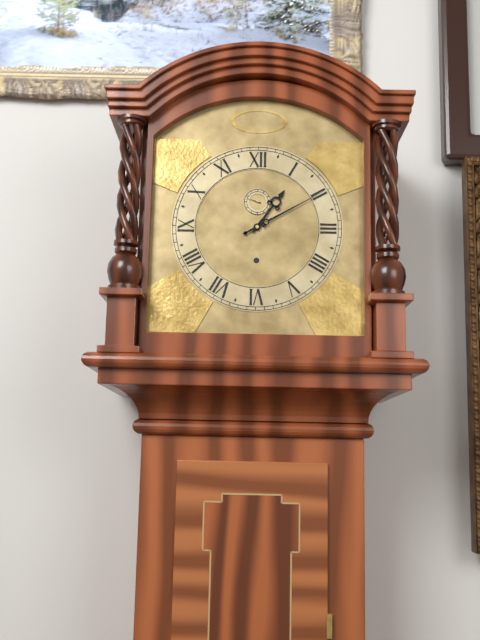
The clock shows {"hour": 1, "minute": 10}
